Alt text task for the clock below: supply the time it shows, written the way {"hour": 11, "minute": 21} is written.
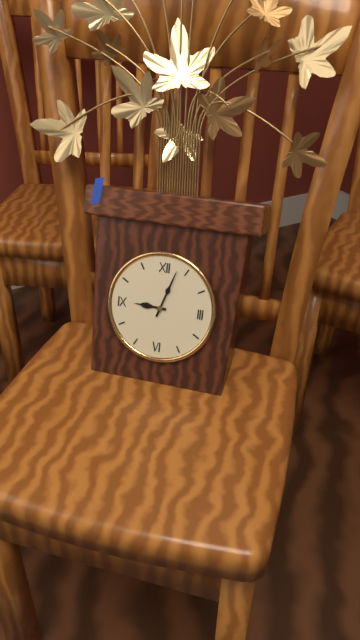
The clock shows {"hour": 9, "minute": 3}
